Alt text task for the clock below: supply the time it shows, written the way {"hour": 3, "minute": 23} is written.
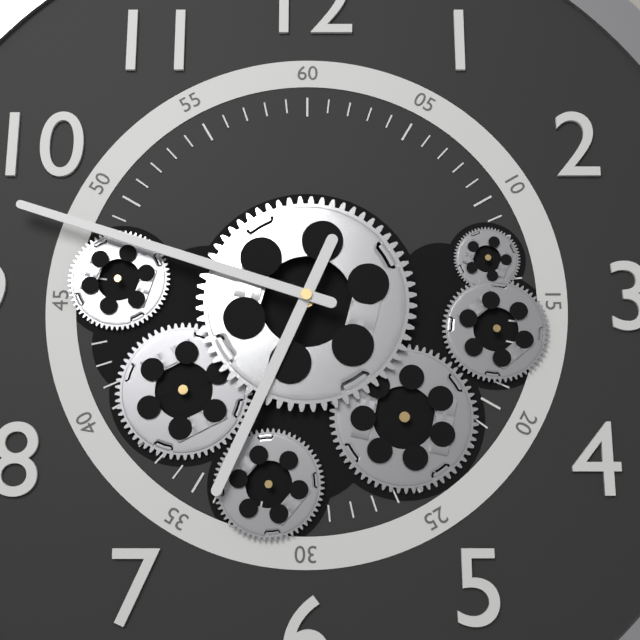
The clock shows {"hour": 6, "minute": 48}
